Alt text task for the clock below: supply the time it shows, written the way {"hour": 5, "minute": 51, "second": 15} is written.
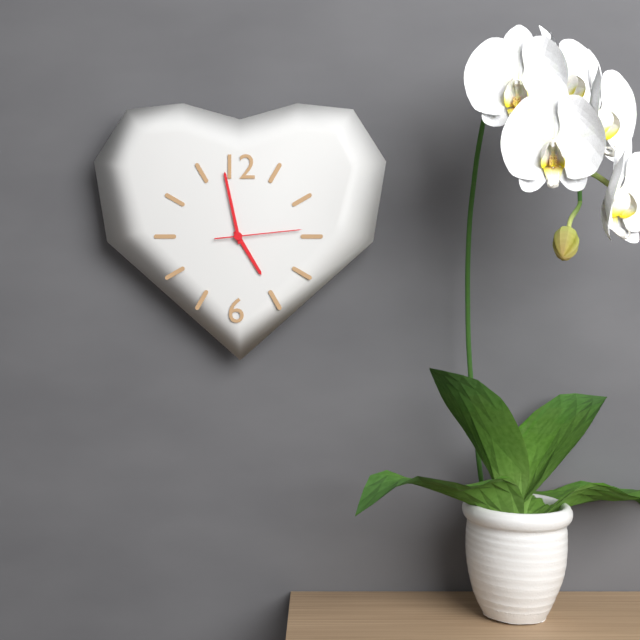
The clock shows {"hour": 4, "minute": 58, "second": 14}
